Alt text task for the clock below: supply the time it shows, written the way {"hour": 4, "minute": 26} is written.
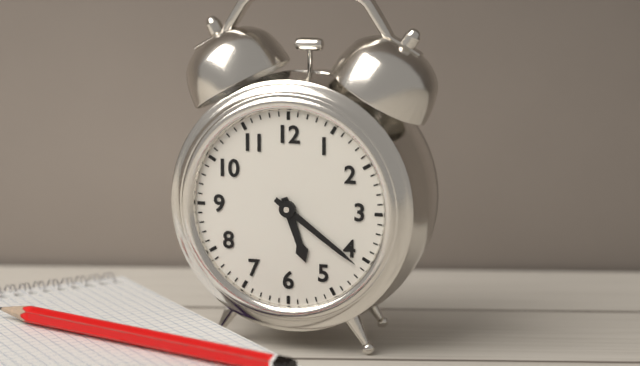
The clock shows {"hour": 5, "minute": 21}
